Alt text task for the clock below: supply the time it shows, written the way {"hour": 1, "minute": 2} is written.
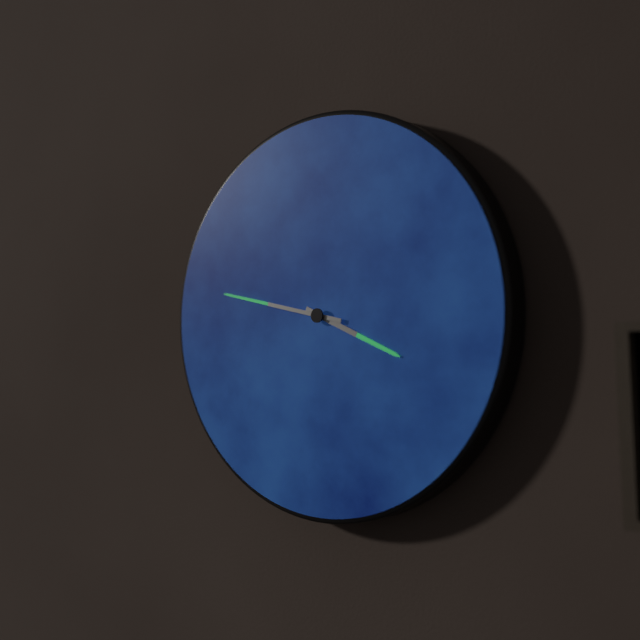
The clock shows {"hour": 3, "minute": 47}
